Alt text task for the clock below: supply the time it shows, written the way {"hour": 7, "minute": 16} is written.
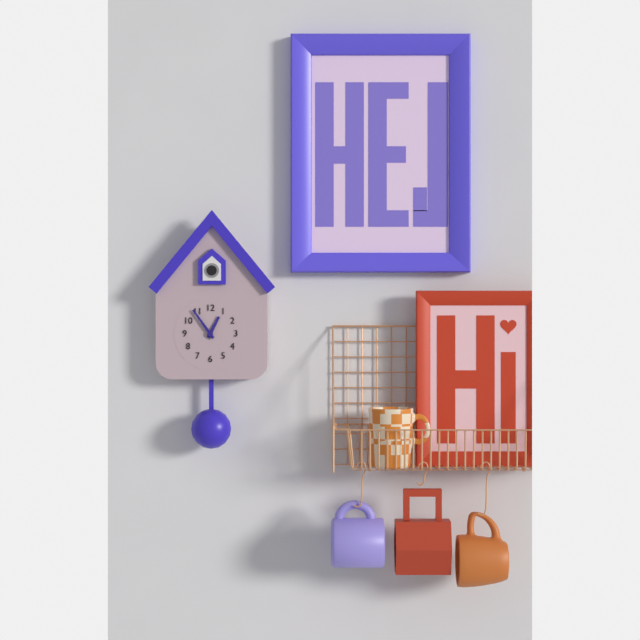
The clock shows {"hour": 12, "minute": 54}
